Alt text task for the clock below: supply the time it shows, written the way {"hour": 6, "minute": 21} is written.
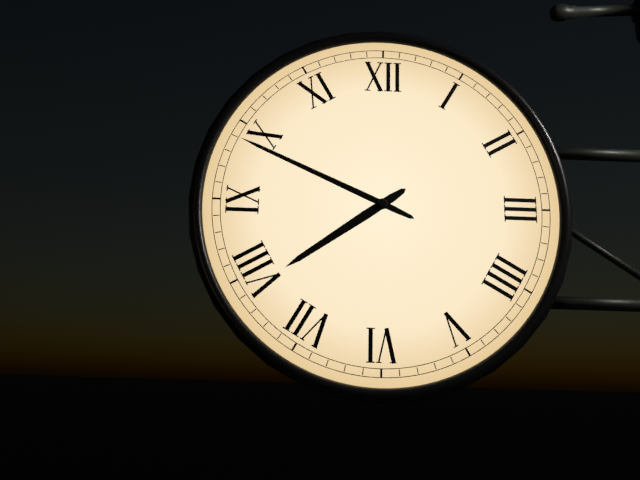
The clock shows {"hour": 7, "minute": 49}
